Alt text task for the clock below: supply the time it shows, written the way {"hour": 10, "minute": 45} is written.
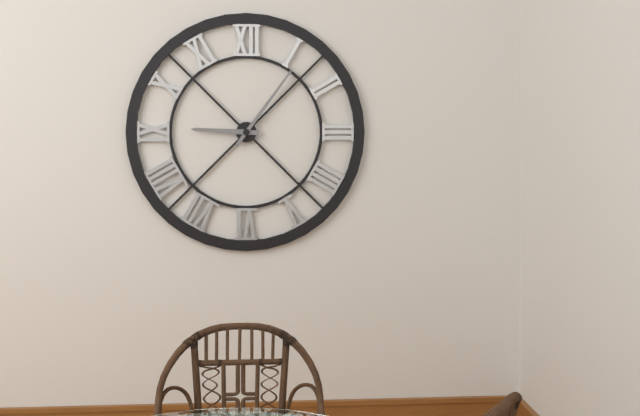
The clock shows {"hour": 9, "minute": 6}
